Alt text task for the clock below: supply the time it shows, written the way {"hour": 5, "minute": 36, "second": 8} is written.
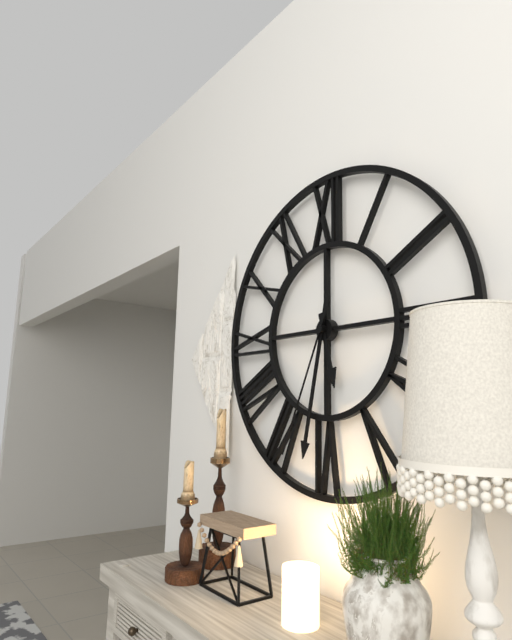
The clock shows {"hour": 5, "minute": 32, "second": 34}
